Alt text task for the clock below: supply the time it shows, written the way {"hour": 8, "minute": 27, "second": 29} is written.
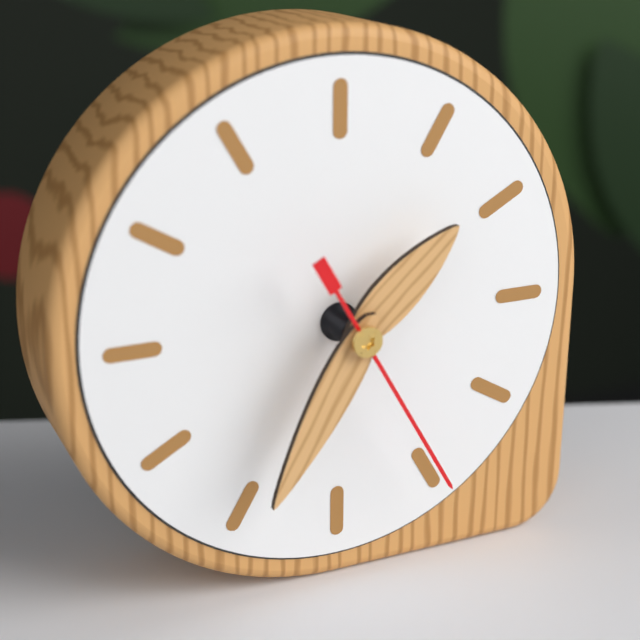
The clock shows {"hour": 1, "minute": 35, "second": 25}
